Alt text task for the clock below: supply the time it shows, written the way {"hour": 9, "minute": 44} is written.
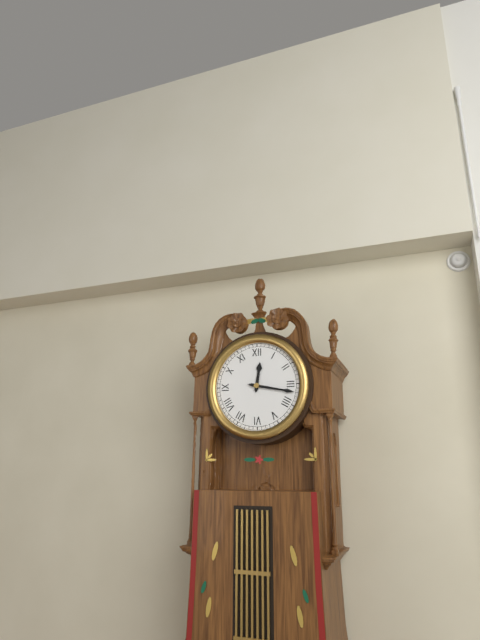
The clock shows {"hour": 12, "minute": 17}
